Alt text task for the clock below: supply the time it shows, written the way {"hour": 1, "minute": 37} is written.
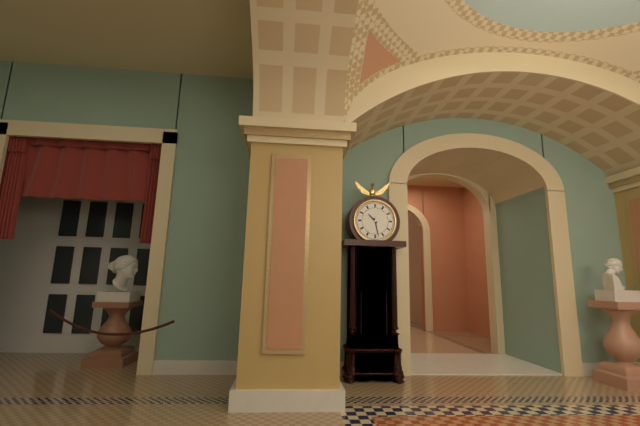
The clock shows {"hour": 10, "minute": 28}
